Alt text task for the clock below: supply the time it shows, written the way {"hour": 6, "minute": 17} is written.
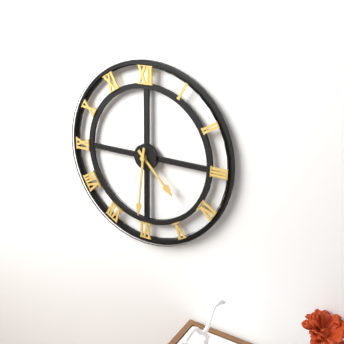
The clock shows {"hour": 4, "minute": 31}
